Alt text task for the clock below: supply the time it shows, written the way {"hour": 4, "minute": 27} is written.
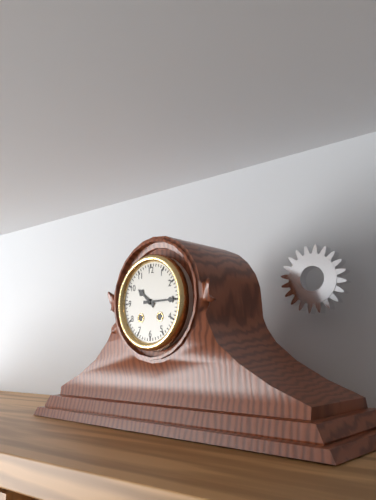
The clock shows {"hour": 10, "minute": 15}
